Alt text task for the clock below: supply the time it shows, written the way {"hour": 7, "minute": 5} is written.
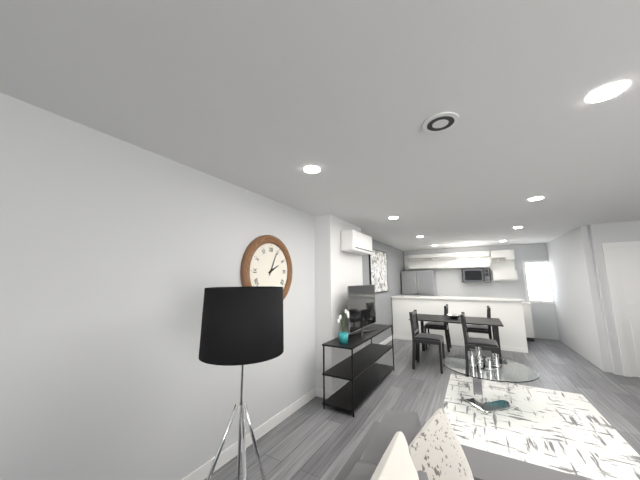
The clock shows {"hour": 2, "minute": 4}
